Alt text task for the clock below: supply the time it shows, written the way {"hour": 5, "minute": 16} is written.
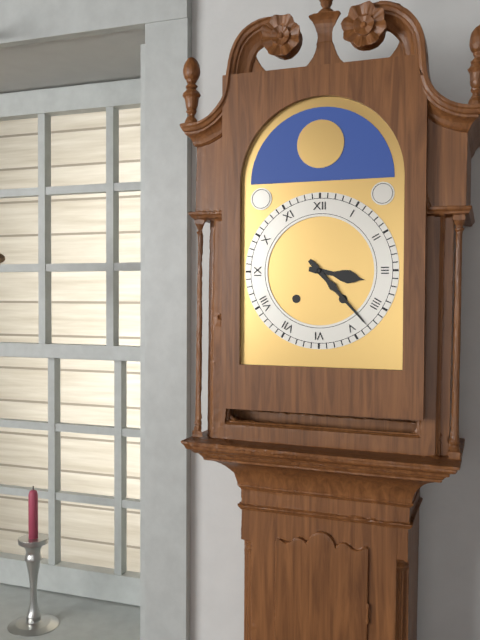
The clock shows {"hour": 3, "minute": 23}
